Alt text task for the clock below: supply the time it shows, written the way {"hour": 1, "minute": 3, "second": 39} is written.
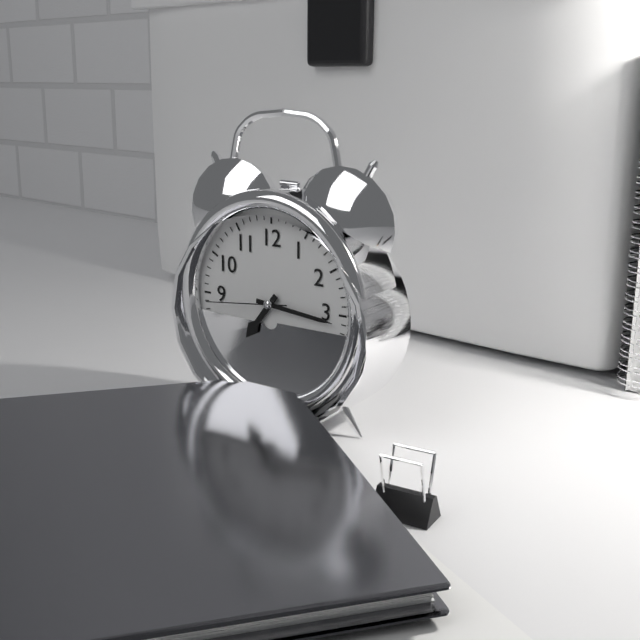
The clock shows {"hour": 7, "minute": 16, "second": 44}
